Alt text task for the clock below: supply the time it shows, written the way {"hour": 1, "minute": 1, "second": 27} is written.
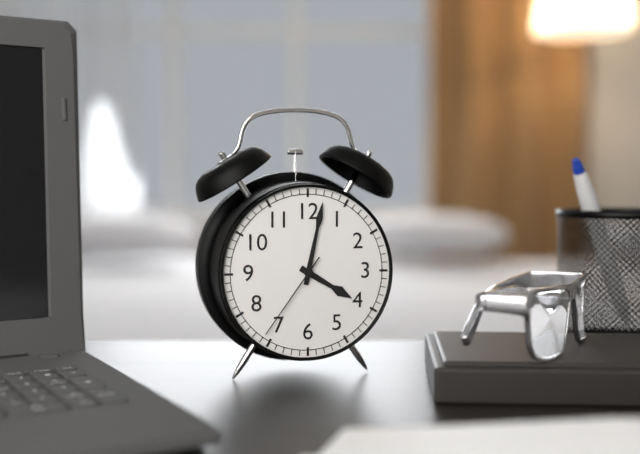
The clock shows {"hour": 4, "minute": 2, "second": 36}
